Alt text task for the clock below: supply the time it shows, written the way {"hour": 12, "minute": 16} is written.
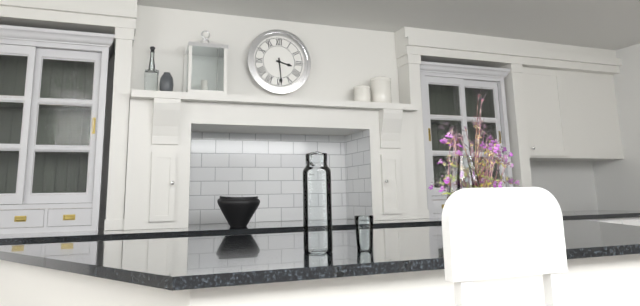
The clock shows {"hour": 3, "minute": 29}
